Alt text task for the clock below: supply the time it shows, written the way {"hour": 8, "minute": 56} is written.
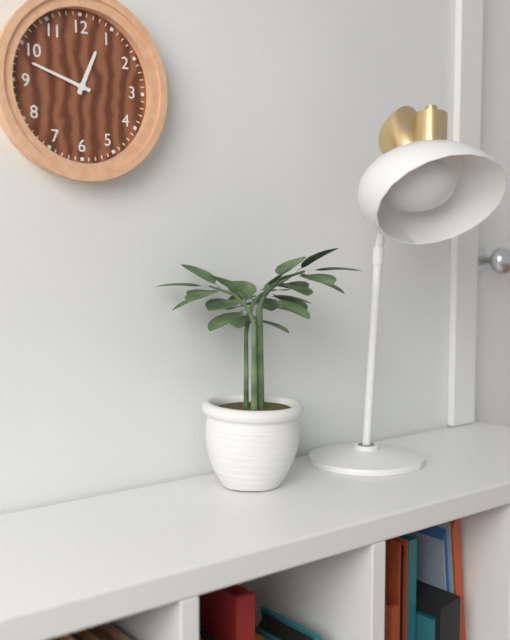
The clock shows {"hour": 12, "minute": 48}
